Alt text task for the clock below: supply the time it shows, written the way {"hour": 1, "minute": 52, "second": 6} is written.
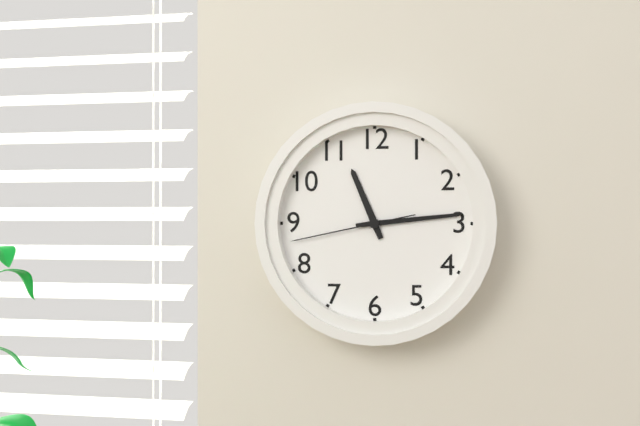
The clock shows {"hour": 11, "minute": 14, "second": 43}
